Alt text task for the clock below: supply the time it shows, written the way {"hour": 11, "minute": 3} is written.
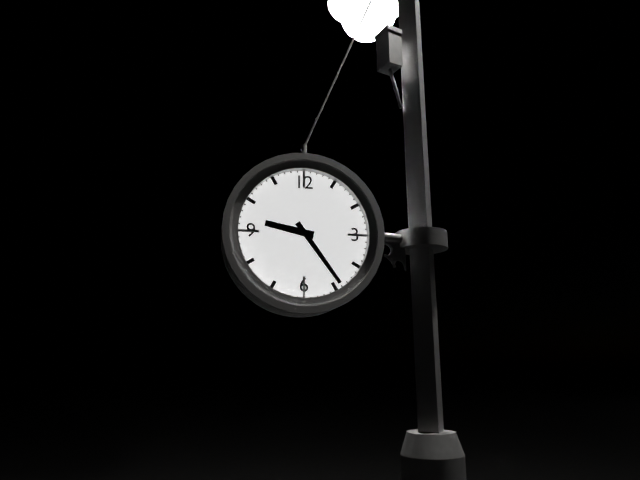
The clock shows {"hour": 9, "minute": 24}
